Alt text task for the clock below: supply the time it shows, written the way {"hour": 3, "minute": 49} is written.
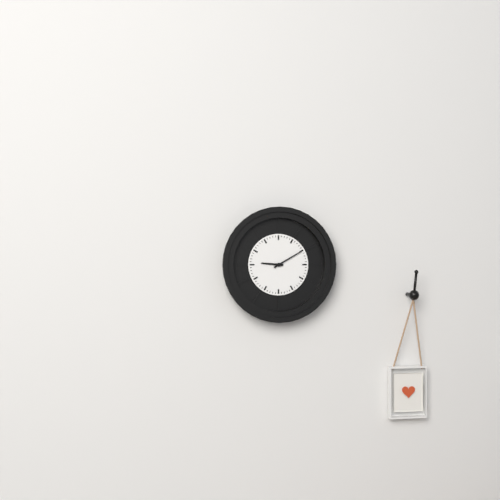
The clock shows {"hour": 9, "minute": 10}
